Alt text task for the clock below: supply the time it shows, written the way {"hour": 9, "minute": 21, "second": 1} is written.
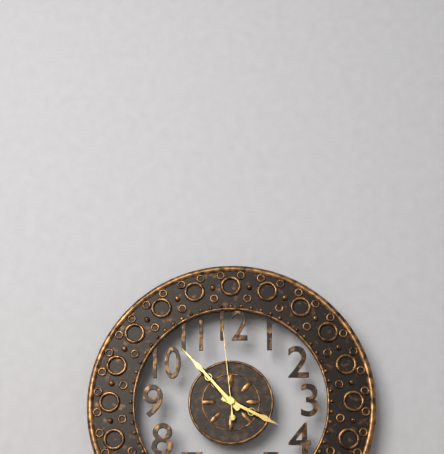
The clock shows {"hour": 3, "minute": 53, "second": 59}
